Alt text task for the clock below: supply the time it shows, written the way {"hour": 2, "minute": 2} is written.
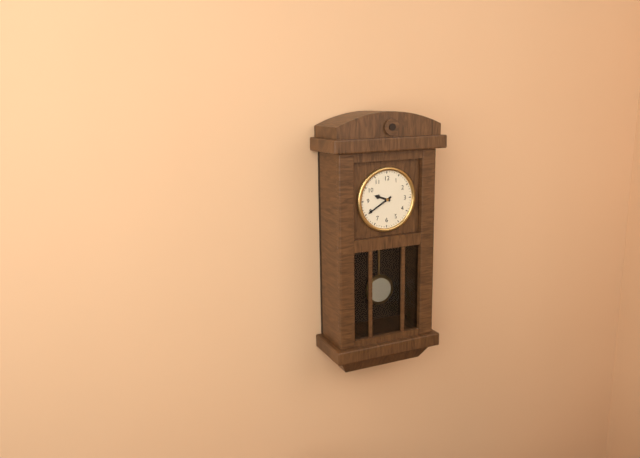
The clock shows {"hour": 9, "minute": 40}
